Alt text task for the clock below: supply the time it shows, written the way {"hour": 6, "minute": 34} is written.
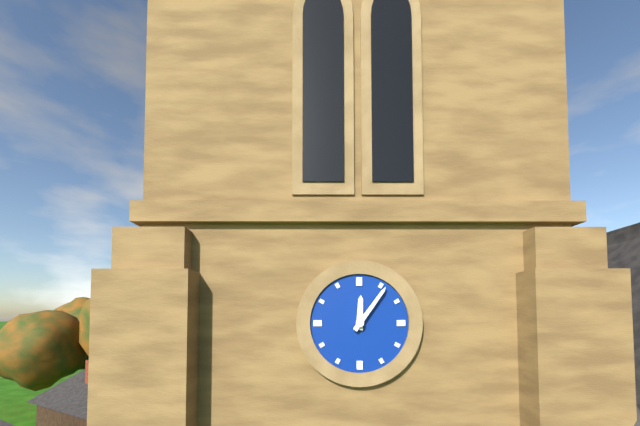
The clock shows {"hour": 12, "minute": 6}
